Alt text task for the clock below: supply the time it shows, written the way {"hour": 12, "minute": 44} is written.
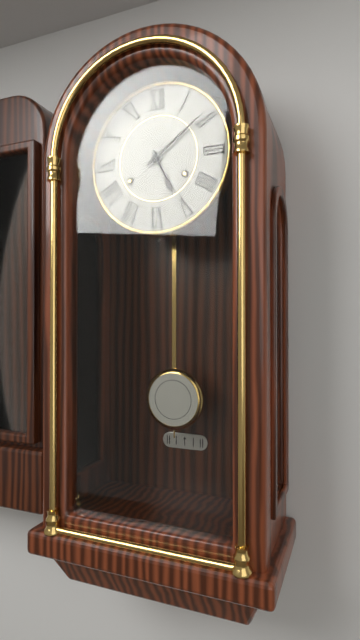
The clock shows {"hour": 5, "minute": 9}
